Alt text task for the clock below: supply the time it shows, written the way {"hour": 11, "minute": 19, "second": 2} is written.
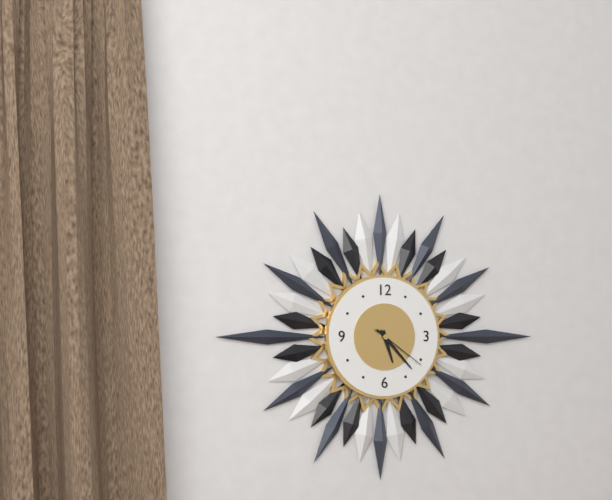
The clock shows {"hour": 5, "minute": 23, "second": 21}
